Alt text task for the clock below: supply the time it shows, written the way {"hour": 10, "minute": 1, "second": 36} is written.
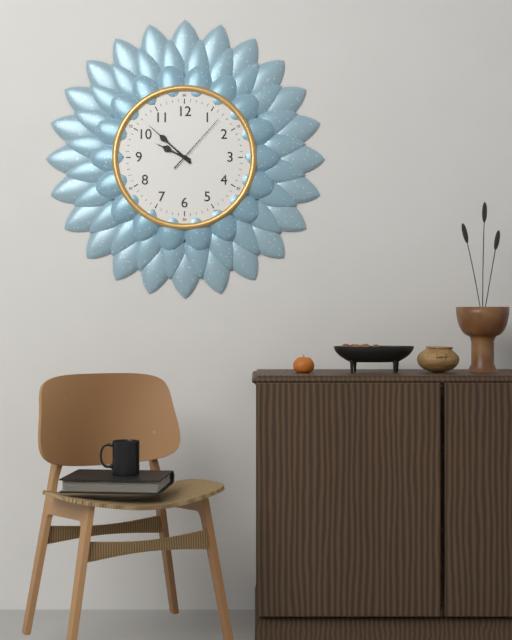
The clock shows {"hour": 9, "minute": 52, "second": 7}
